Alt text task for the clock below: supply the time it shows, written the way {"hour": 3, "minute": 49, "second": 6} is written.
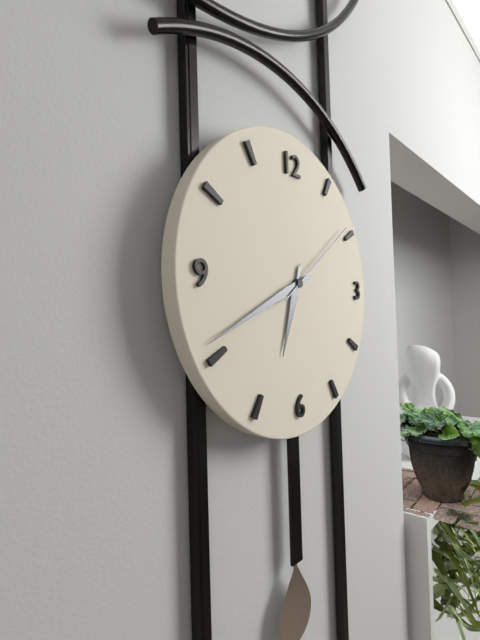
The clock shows {"hour": 6, "minute": 41, "second": 9}
